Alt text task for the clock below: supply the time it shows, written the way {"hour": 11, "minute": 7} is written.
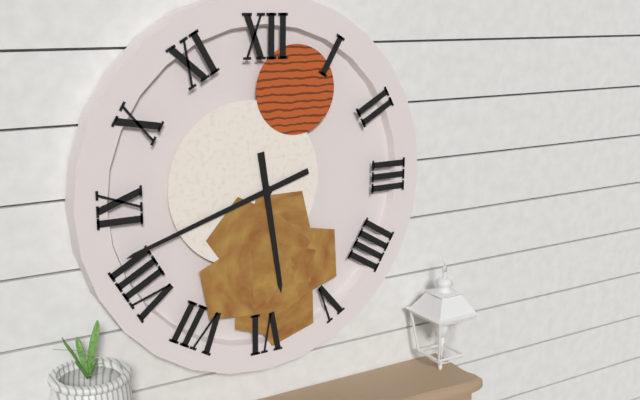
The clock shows {"hour": 5, "minute": 42}
